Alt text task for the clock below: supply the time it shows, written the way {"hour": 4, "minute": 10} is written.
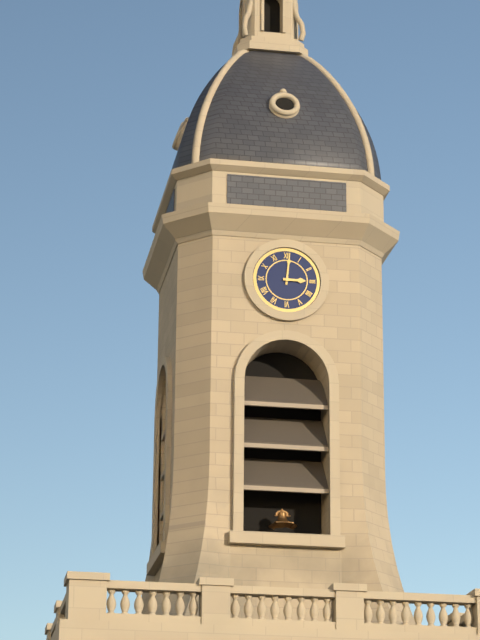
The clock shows {"hour": 3, "minute": 1}
